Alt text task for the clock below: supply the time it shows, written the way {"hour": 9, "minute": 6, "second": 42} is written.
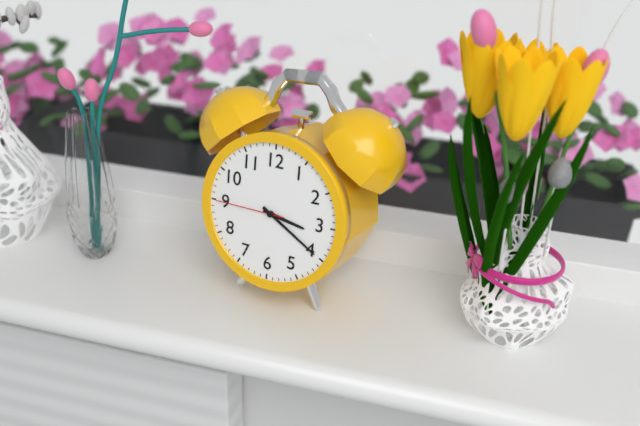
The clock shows {"hour": 3, "minute": 20, "second": 45}
